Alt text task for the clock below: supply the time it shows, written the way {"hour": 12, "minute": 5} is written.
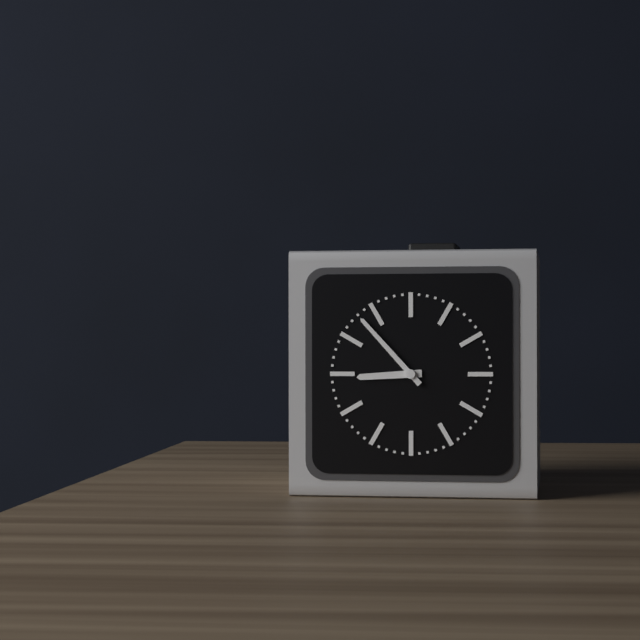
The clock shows {"hour": 8, "minute": 53}
